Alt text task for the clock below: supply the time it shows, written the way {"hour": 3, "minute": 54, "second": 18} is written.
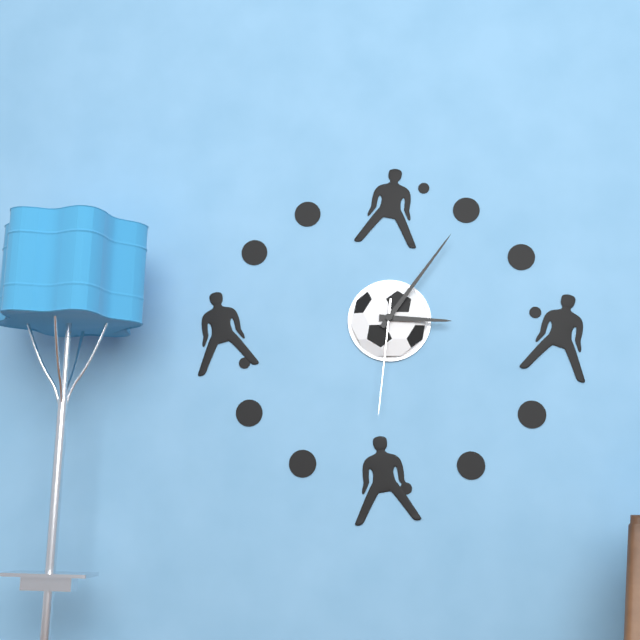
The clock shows {"hour": 3, "minute": 6, "second": 31}
